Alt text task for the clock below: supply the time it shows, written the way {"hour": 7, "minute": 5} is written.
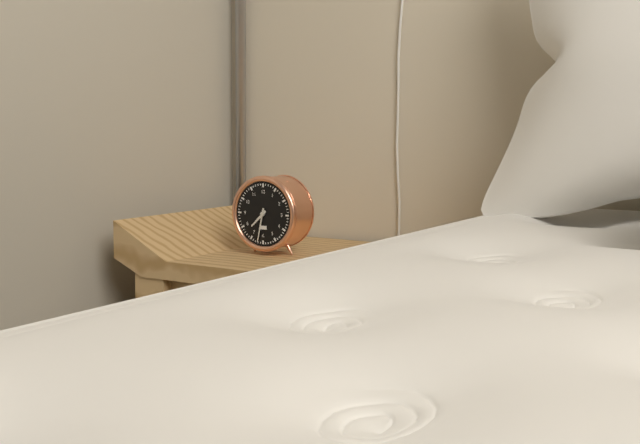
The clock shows {"hour": 7, "minute": 32}
